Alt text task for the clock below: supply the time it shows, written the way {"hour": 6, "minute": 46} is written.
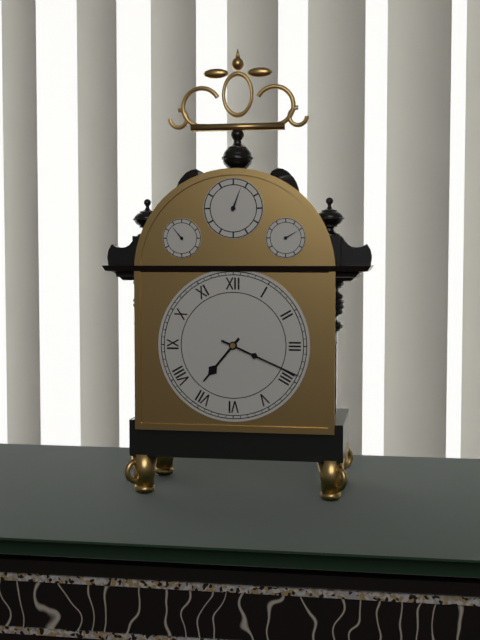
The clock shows {"hour": 7, "minute": 19}
